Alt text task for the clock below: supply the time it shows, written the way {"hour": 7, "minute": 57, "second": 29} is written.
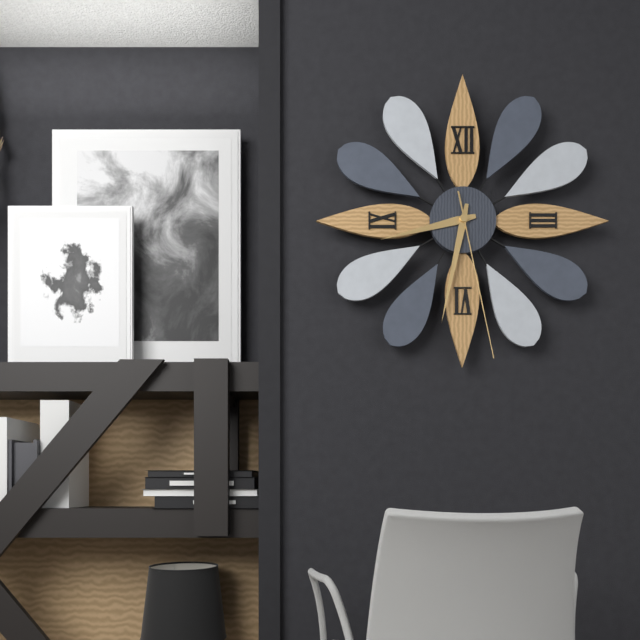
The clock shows {"hour": 8, "minute": 32, "second": 28}
